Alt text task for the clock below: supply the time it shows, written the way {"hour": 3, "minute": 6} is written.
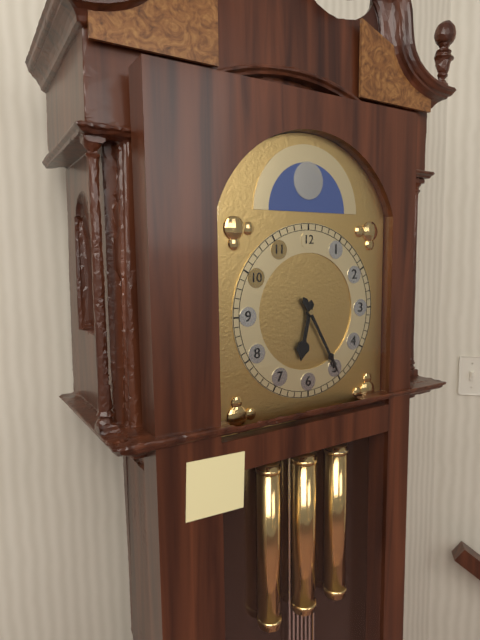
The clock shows {"hour": 6, "minute": 25}
